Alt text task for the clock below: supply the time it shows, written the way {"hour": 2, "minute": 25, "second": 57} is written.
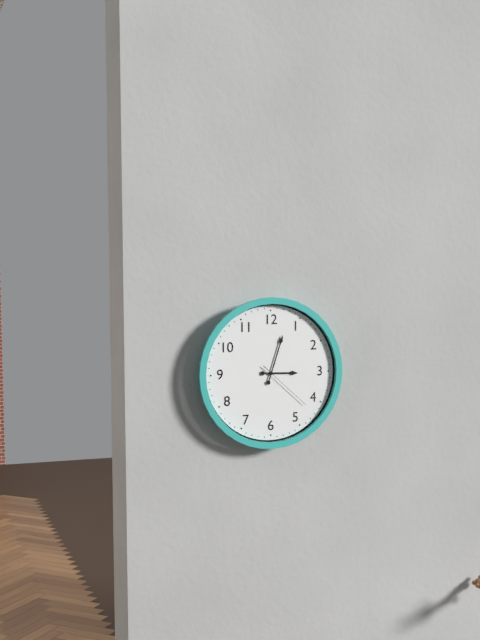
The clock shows {"hour": 3, "minute": 3, "second": 22}
